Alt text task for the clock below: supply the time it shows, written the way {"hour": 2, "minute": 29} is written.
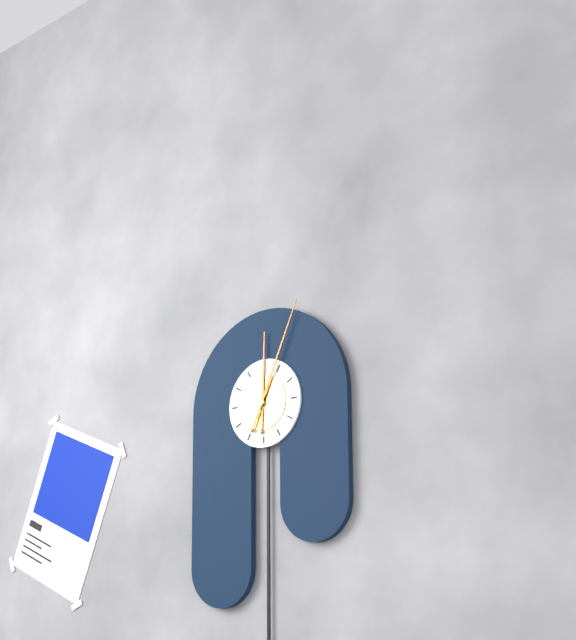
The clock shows {"hour": 12, "minute": 4}
